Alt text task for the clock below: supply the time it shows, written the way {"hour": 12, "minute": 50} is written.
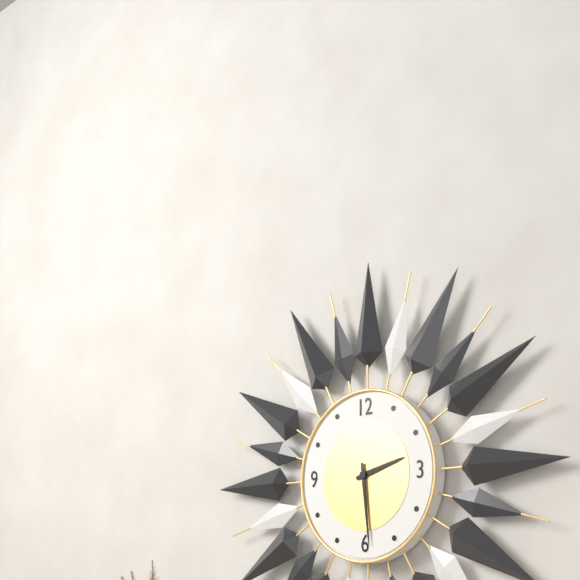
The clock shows {"hour": 2, "minute": 29}
